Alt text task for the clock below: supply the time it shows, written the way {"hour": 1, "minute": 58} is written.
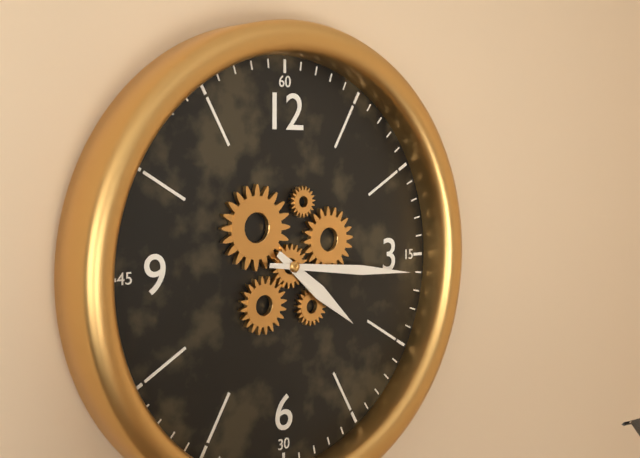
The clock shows {"hour": 4, "minute": 16}
